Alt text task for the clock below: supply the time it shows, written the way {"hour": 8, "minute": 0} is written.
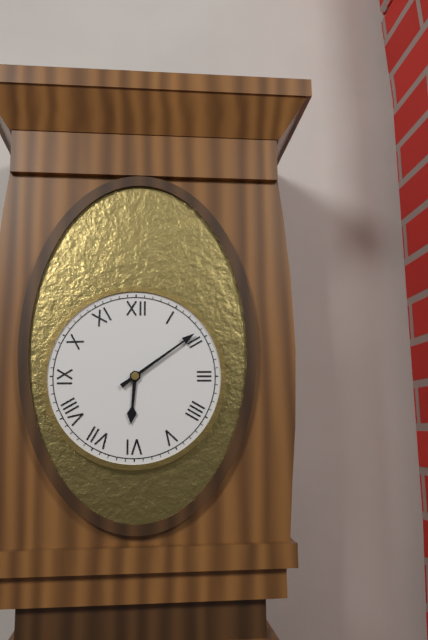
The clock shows {"hour": 6, "minute": 9}
